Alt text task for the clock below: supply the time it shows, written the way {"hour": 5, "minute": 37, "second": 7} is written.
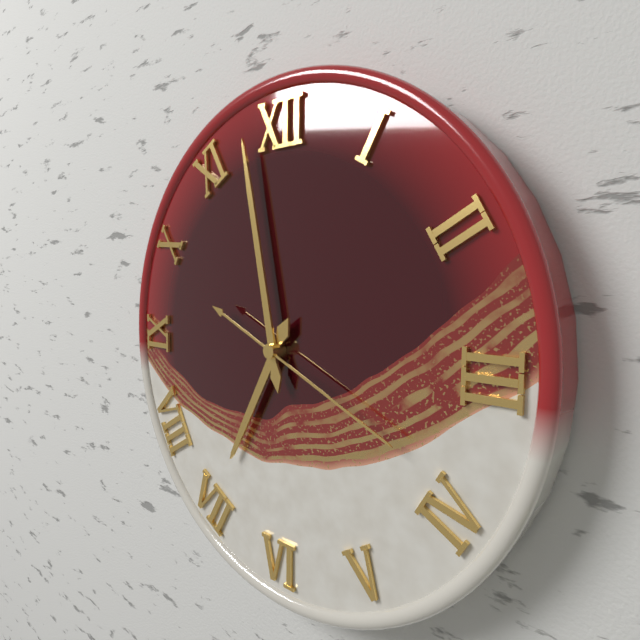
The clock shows {"hour": 6, "minute": 58, "second": 19}
